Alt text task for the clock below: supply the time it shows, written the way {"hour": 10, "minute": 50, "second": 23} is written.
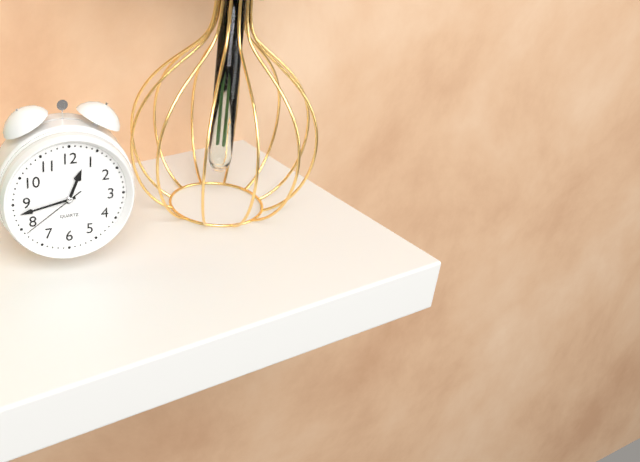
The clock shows {"hour": 12, "minute": 43, "second": 39}
